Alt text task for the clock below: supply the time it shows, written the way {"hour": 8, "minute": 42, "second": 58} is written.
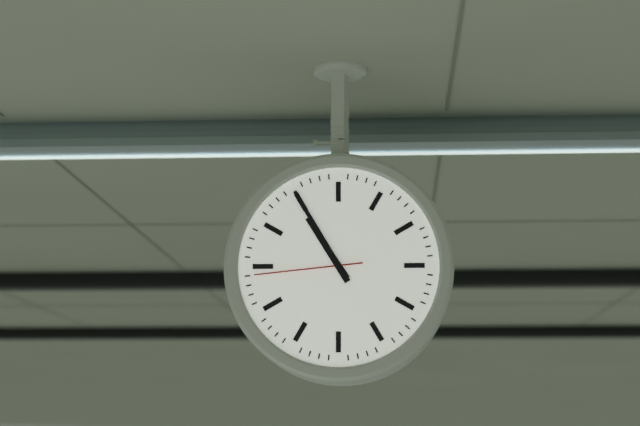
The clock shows {"hour": 10, "minute": 55, "second": 44}
